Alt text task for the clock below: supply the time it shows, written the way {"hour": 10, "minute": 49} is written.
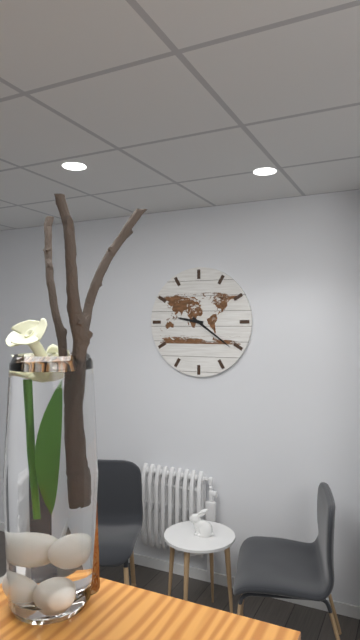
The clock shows {"hour": 9, "minute": 21}
